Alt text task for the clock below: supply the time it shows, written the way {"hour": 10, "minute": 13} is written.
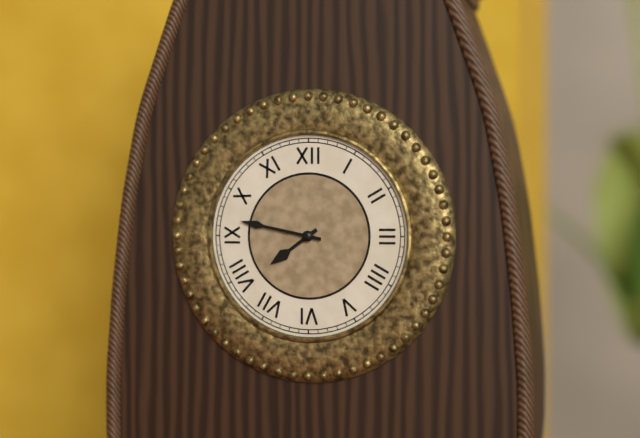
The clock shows {"hour": 7, "minute": 47}
